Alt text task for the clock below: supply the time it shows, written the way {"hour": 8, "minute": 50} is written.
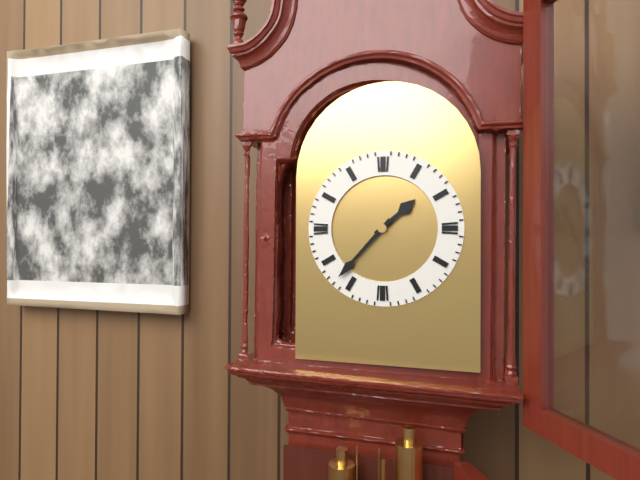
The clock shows {"hour": 1, "minute": 37}
